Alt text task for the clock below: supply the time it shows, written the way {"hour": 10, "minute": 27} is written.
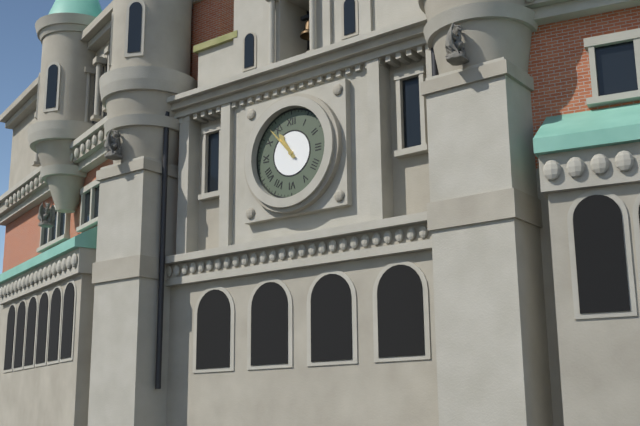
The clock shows {"hour": 10, "minute": 53}
